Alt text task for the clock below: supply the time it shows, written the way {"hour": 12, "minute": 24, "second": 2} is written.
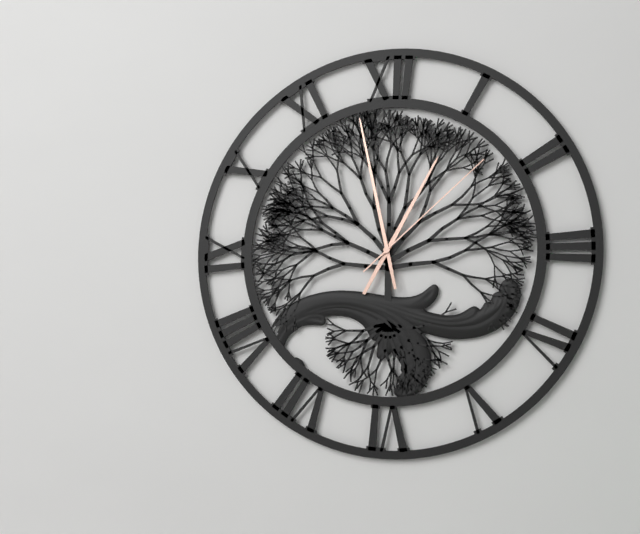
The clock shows {"hour": 12, "minute": 58, "second": 8}
